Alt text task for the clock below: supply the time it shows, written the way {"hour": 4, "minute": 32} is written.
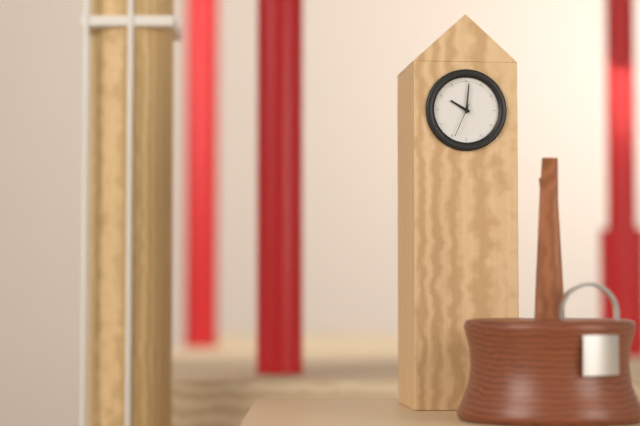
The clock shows {"hour": 10, "minute": 1}
